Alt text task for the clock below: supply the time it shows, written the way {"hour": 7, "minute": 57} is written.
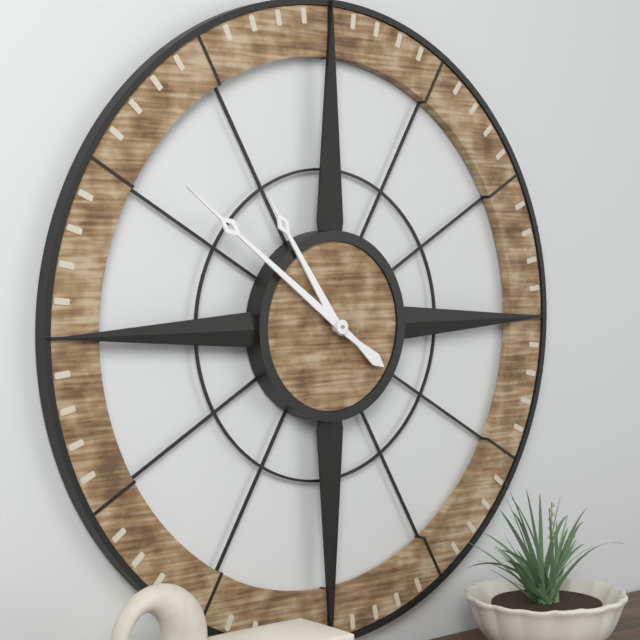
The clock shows {"hour": 10, "minute": 51}
